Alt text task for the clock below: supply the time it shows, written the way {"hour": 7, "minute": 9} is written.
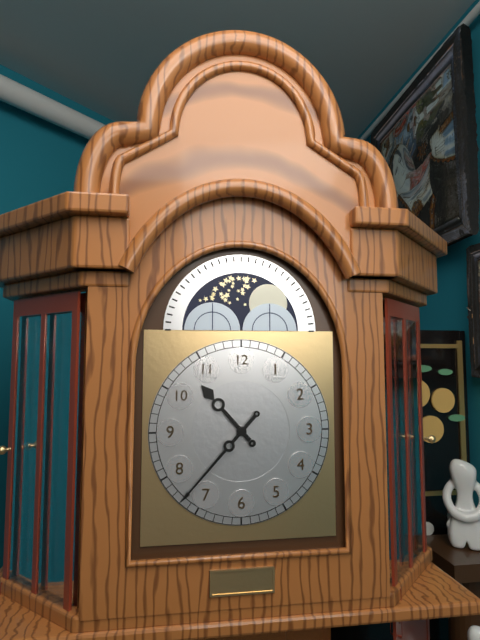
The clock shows {"hour": 10, "minute": 37}
